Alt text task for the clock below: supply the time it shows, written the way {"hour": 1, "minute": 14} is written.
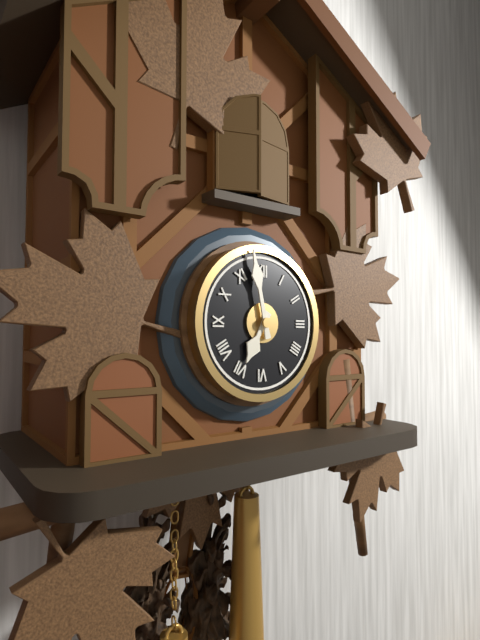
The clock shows {"hour": 6, "minute": 58}
